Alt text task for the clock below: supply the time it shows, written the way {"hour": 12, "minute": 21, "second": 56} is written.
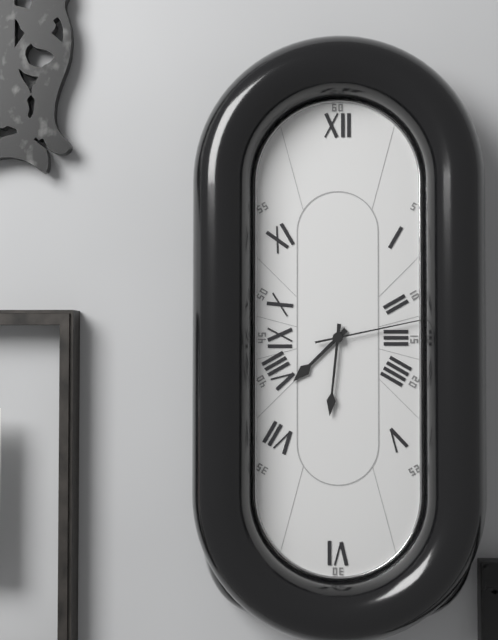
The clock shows {"hour": 7, "minute": 31, "second": 13}
